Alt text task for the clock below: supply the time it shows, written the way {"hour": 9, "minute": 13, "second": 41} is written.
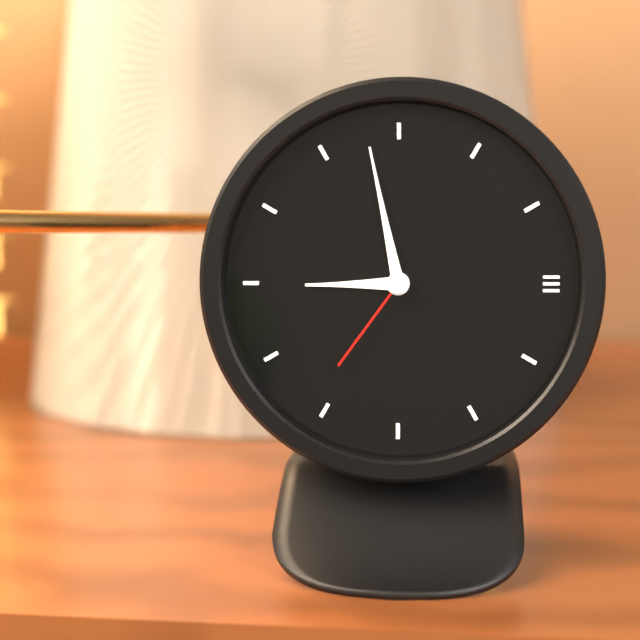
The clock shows {"hour": 8, "minute": 58, "second": 36}
